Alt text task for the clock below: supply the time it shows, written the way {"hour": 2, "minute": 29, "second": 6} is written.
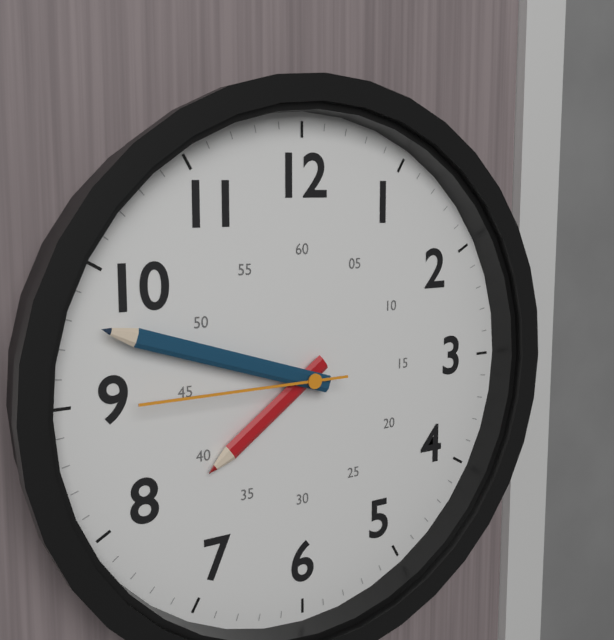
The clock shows {"hour": 7, "minute": 48, "second": 45}
